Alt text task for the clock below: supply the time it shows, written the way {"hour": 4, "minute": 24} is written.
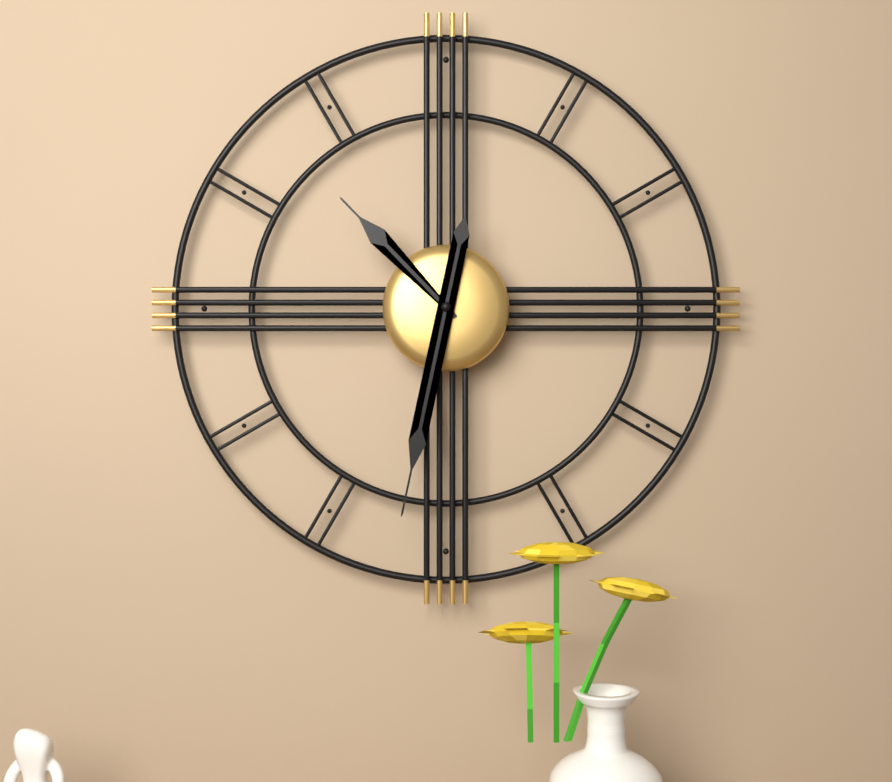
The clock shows {"hour": 10, "minute": 32}
